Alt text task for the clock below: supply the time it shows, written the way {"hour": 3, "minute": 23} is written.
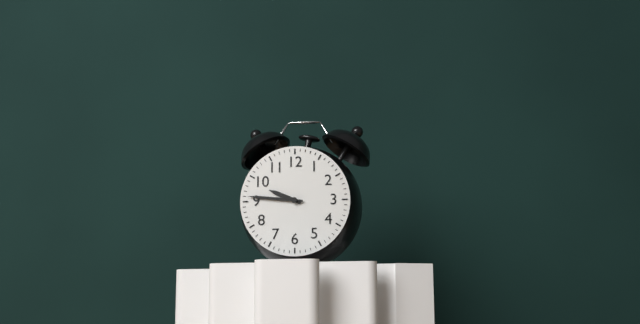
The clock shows {"hour": 9, "minute": 46}
